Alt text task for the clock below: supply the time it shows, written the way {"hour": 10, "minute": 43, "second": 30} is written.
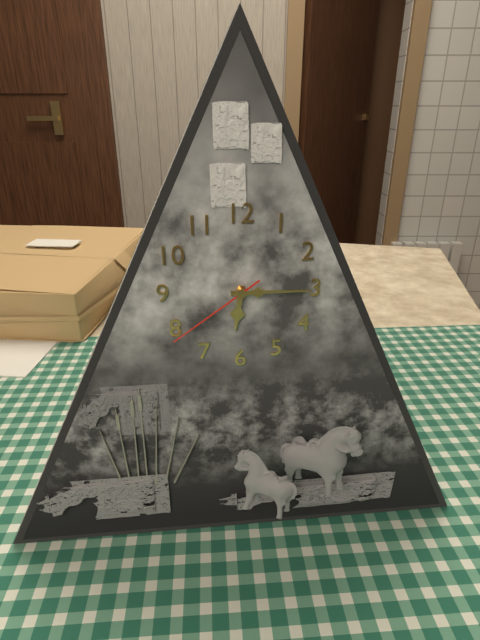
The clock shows {"hour": 6, "minute": 15, "second": 39}
